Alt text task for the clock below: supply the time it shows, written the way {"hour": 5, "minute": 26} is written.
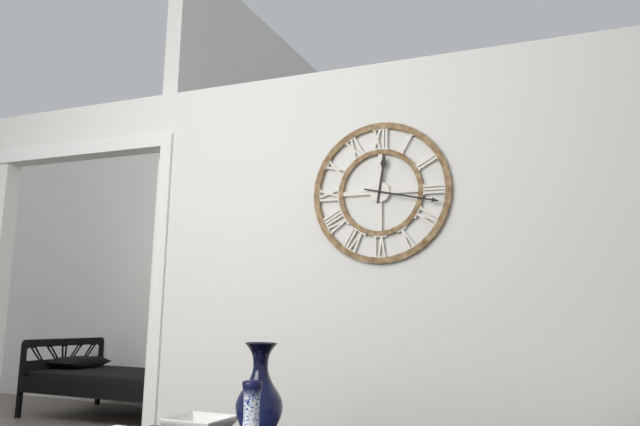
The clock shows {"hour": 12, "minute": 17}
